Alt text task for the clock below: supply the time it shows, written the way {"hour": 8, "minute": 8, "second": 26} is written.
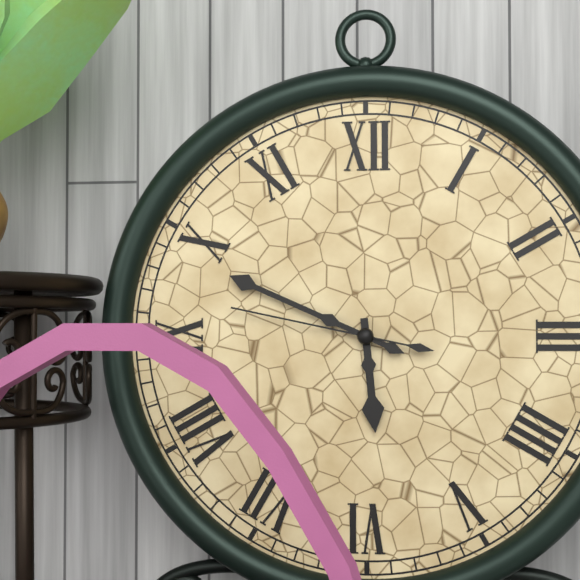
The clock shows {"hour": 5, "minute": 49, "second": 47}
